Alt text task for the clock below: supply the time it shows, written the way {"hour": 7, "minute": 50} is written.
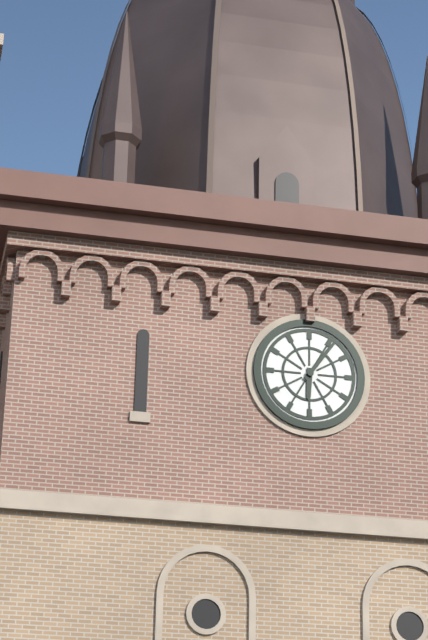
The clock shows {"hour": 6, "minute": 6}
